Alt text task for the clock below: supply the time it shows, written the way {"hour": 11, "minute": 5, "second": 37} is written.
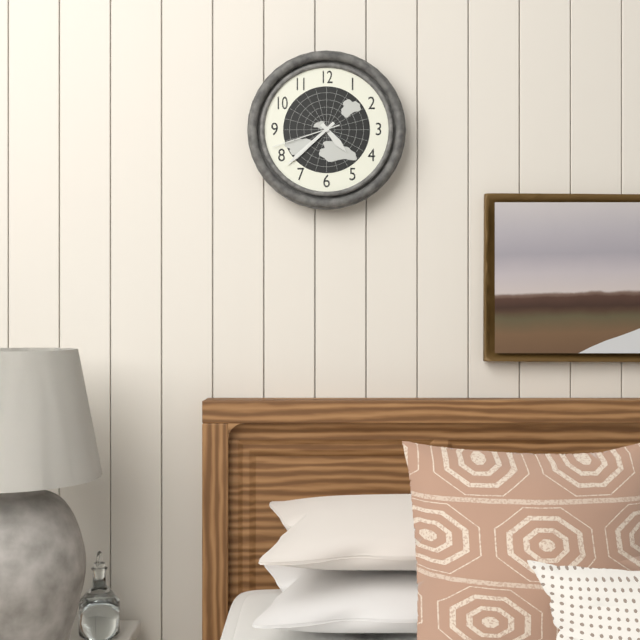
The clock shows {"hour": 4, "minute": 38, "second": 42}
